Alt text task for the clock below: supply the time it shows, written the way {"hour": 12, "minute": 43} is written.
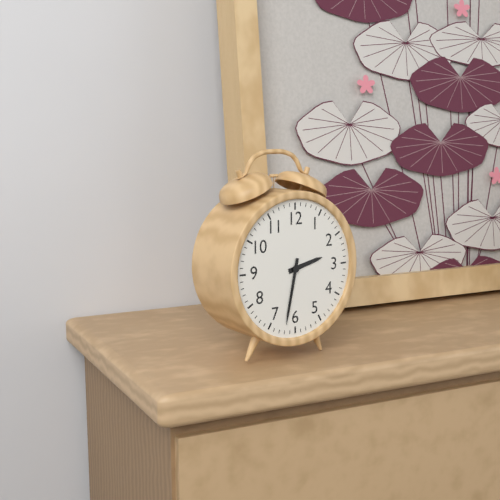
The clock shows {"hour": 2, "minute": 32}
